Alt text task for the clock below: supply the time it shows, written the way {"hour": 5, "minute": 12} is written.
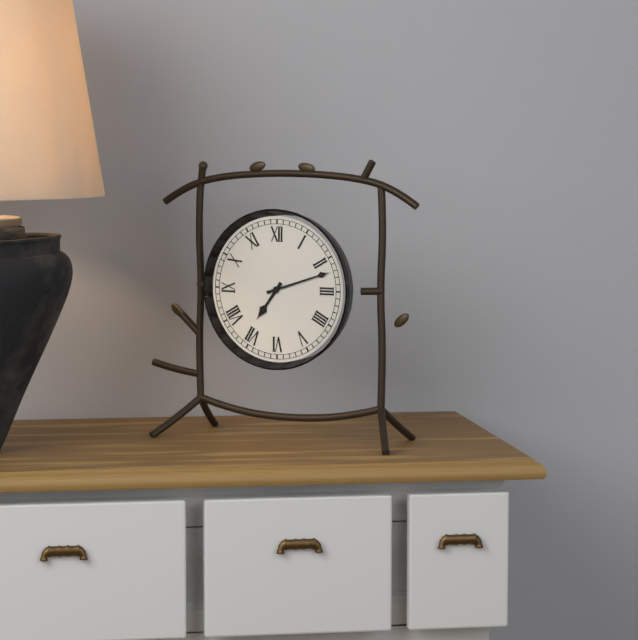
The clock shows {"hour": 7, "minute": 12}
